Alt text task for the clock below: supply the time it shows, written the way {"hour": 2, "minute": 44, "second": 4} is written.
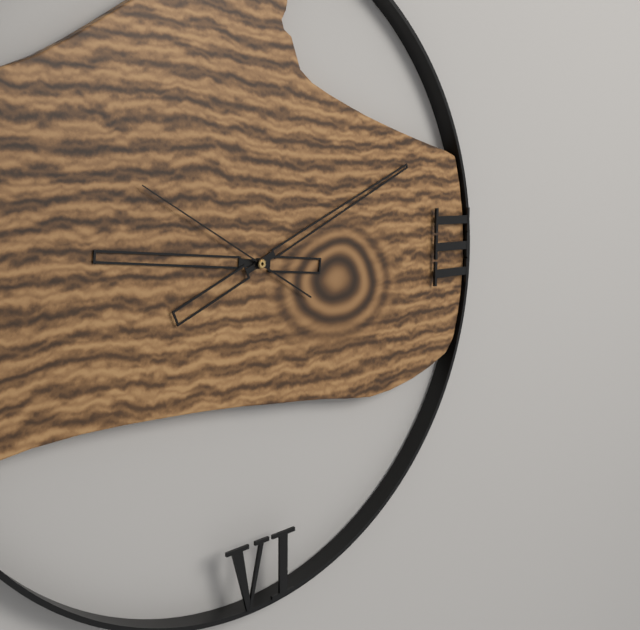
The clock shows {"hour": 9, "minute": 11, "second": 50}
